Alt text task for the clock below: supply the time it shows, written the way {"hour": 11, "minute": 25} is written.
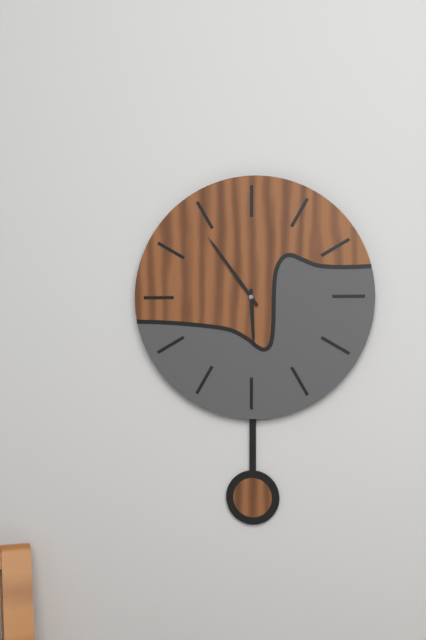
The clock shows {"hour": 5, "minute": 54}
